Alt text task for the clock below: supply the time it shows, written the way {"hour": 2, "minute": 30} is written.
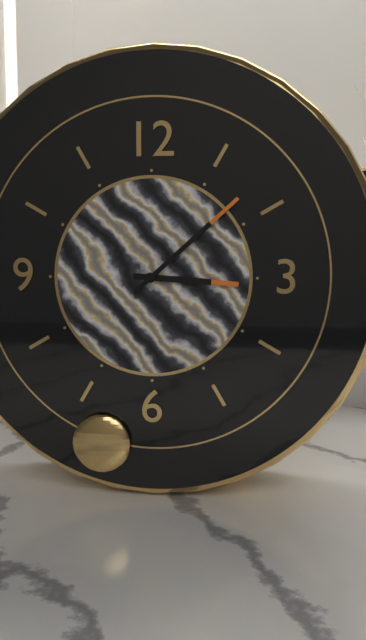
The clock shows {"hour": 3, "minute": 8}
